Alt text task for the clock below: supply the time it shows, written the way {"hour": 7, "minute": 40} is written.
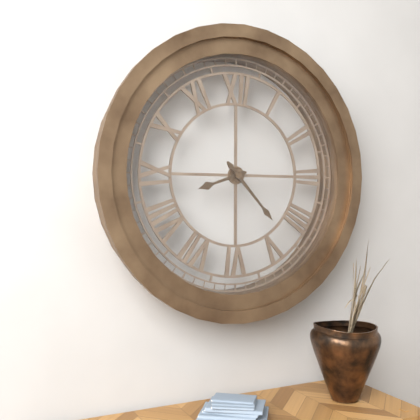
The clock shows {"hour": 8, "minute": 23}
